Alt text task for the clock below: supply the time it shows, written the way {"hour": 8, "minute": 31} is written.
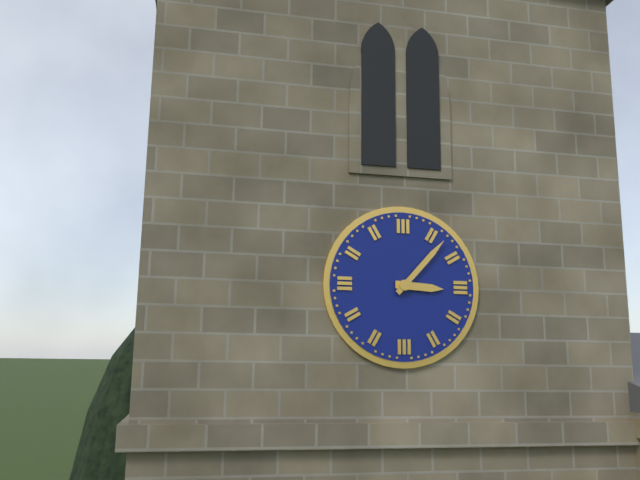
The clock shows {"hour": 3, "minute": 7}
